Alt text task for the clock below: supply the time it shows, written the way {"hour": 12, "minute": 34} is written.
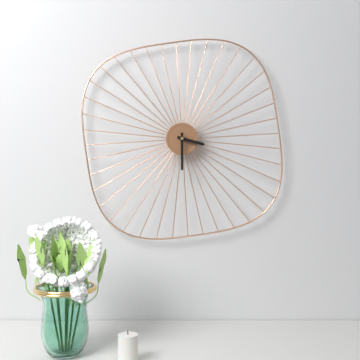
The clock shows {"hour": 3, "minute": 30}
